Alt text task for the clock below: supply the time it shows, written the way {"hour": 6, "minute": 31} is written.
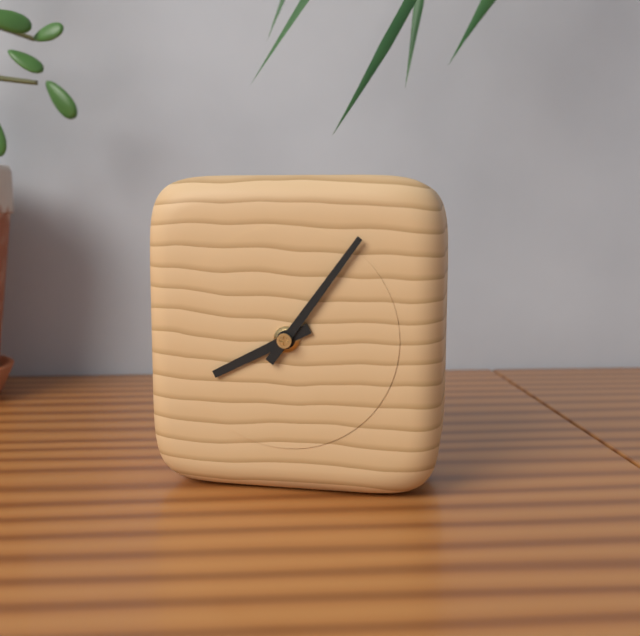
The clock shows {"hour": 8, "minute": 6}
